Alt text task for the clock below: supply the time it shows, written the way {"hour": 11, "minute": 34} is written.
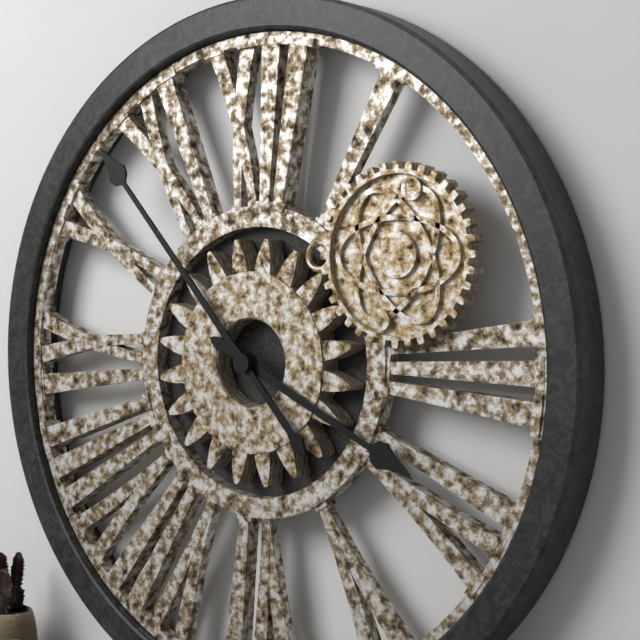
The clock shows {"hour": 3, "minute": 53}
